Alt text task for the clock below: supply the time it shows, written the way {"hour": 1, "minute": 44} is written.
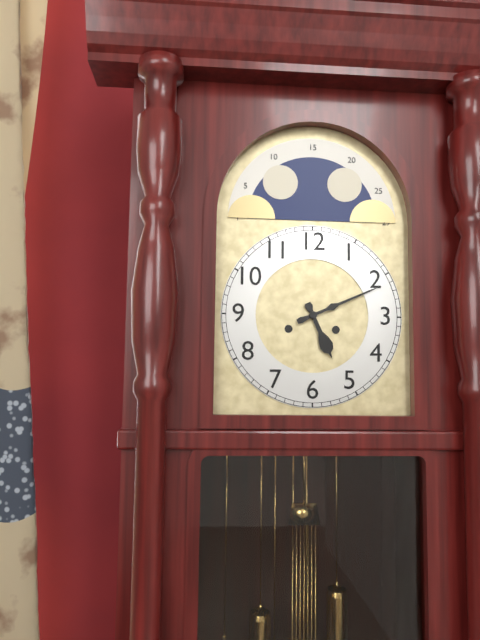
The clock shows {"hour": 5, "minute": 11}
